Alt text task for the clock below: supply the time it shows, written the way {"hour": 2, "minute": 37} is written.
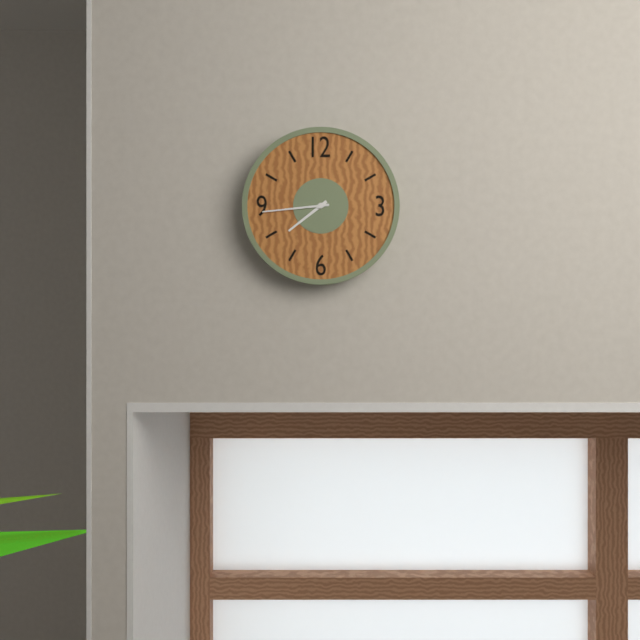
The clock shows {"hour": 7, "minute": 44}
